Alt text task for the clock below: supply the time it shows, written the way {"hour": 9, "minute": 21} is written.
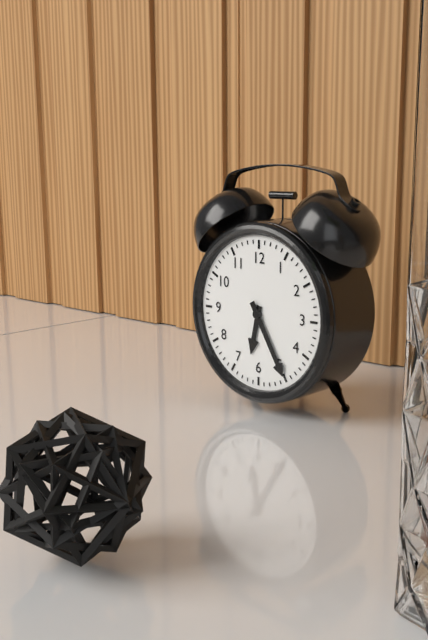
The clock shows {"hour": 6, "minute": 25}
